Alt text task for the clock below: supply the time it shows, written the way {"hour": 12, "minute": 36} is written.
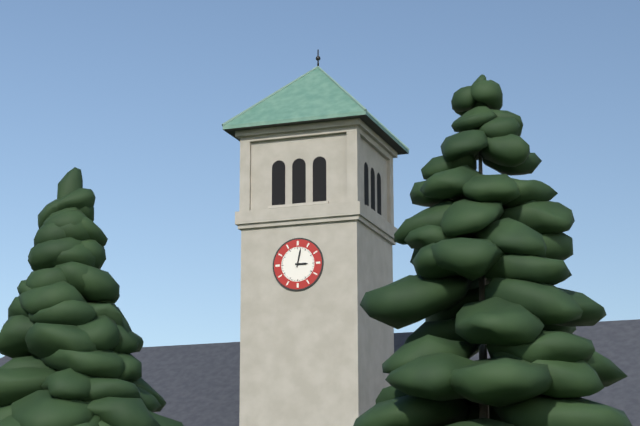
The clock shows {"hour": 3, "minute": 2}
